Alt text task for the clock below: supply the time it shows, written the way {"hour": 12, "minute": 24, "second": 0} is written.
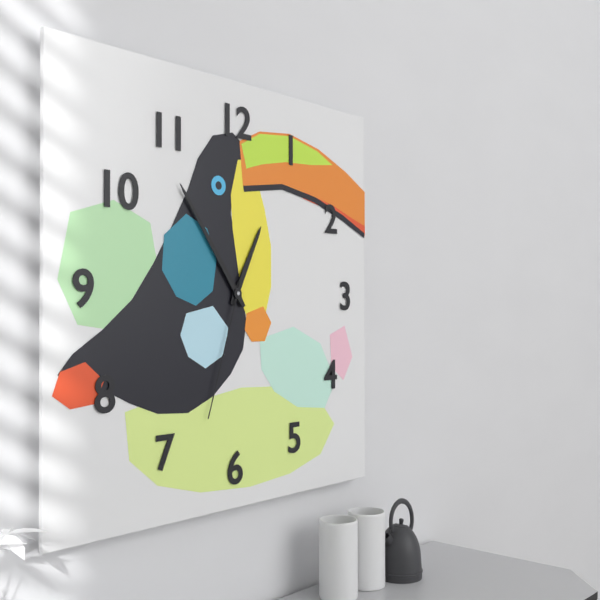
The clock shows {"hour": 12, "minute": 54, "second": 33}
